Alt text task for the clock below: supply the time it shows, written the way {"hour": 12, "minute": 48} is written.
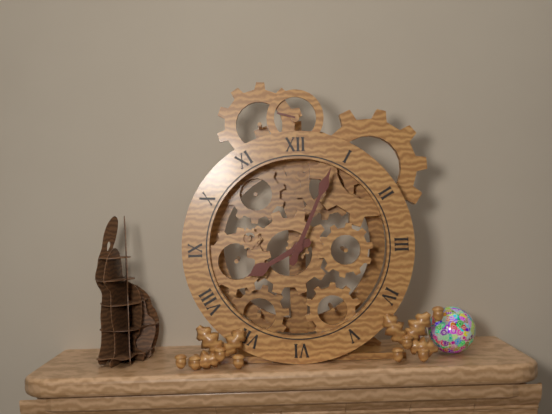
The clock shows {"hour": 8, "minute": 4}
